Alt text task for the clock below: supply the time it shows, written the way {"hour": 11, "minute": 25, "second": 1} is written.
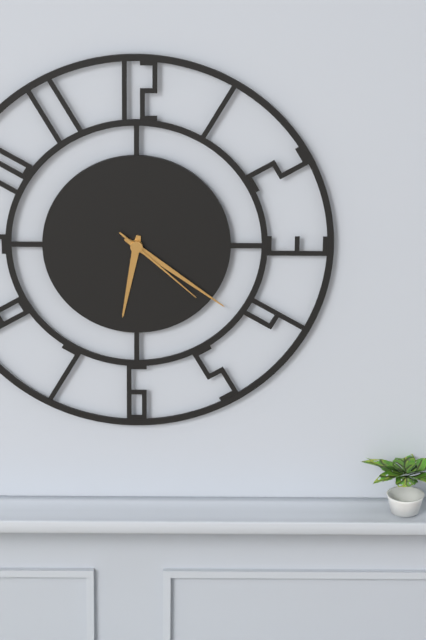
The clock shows {"hour": 6, "minute": 21, "second": 22}
